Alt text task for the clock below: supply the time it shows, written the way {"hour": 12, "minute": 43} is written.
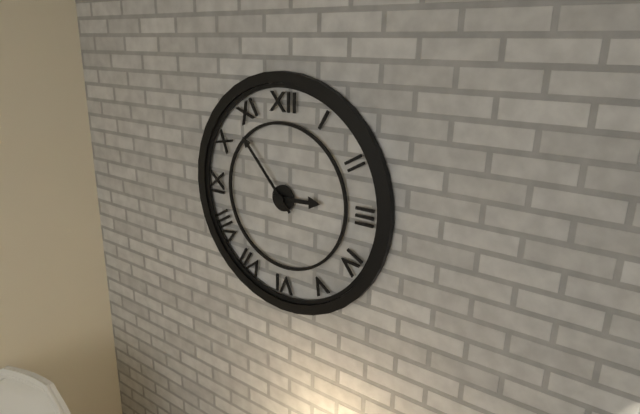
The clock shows {"hour": 2, "minute": 53}
